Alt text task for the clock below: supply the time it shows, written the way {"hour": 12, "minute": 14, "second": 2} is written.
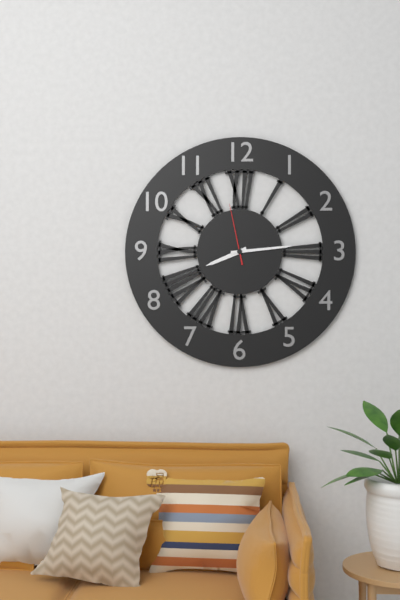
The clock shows {"hour": 8, "minute": 14, "second": 58}
